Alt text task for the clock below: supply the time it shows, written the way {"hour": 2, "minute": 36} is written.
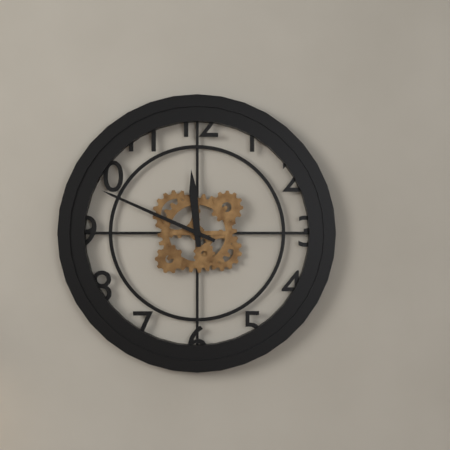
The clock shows {"hour": 11, "minute": 49}
